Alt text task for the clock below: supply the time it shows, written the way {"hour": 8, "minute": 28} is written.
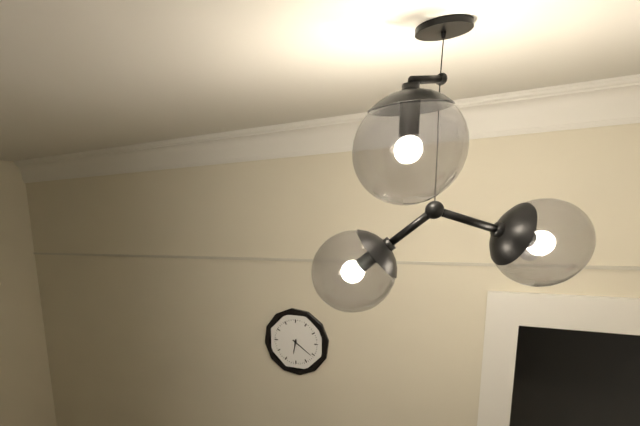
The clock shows {"hour": 6, "minute": 21}
